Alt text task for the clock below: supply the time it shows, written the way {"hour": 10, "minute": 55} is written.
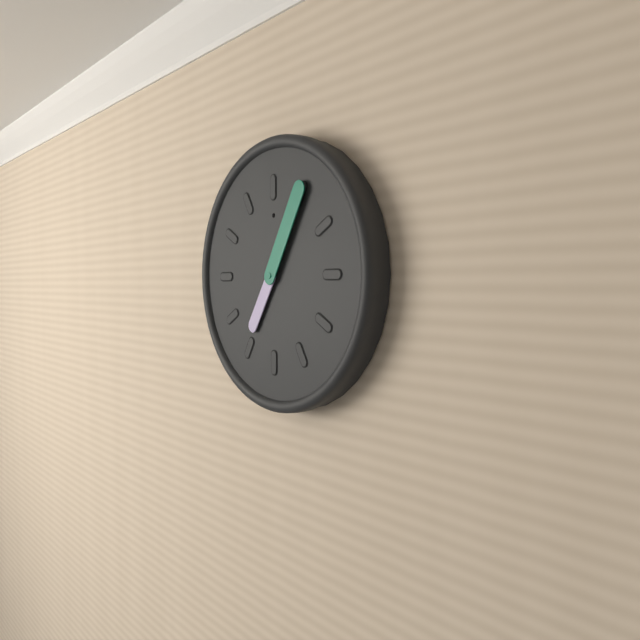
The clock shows {"hour": 7, "minute": 5}
